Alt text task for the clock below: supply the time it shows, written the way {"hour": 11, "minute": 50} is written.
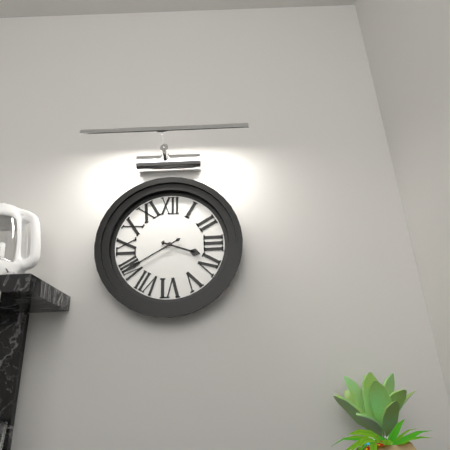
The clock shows {"hour": 3, "minute": 40}
